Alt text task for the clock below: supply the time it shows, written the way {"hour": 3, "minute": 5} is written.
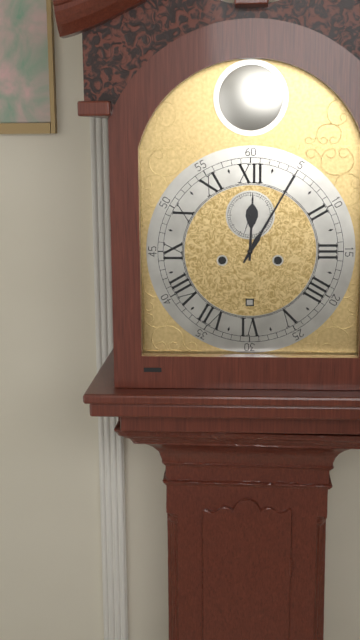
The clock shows {"hour": 12, "minute": 5}
